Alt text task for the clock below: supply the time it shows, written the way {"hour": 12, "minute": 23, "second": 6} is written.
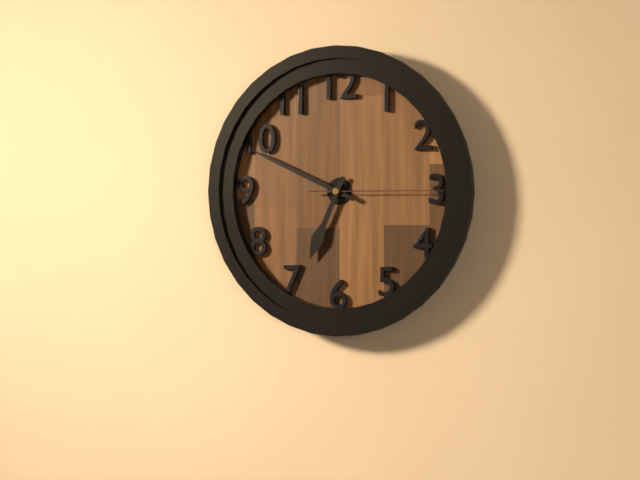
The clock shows {"hour": 6, "minute": 49, "second": 15}
